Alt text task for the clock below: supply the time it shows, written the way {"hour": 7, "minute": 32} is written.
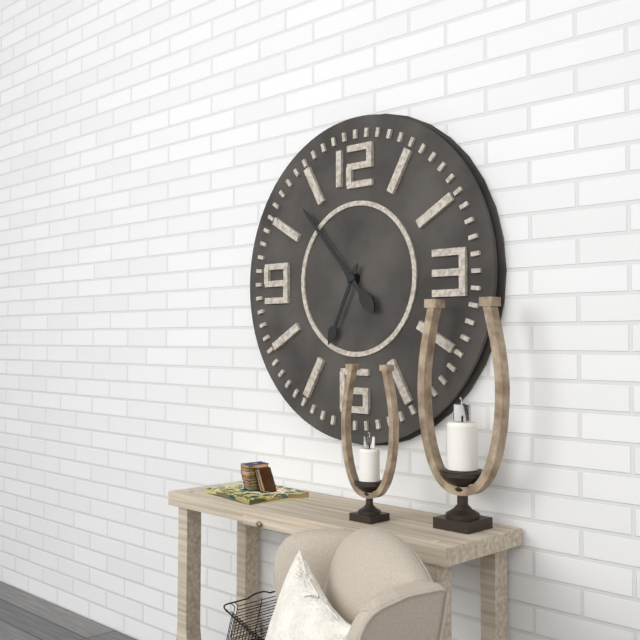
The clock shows {"hour": 6, "minute": 53}
